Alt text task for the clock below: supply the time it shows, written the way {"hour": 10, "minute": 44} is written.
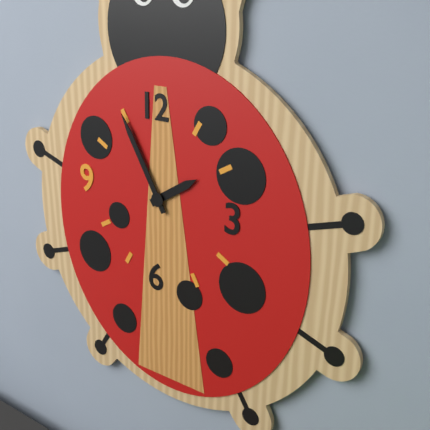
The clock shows {"hour": 1, "minute": 55}
